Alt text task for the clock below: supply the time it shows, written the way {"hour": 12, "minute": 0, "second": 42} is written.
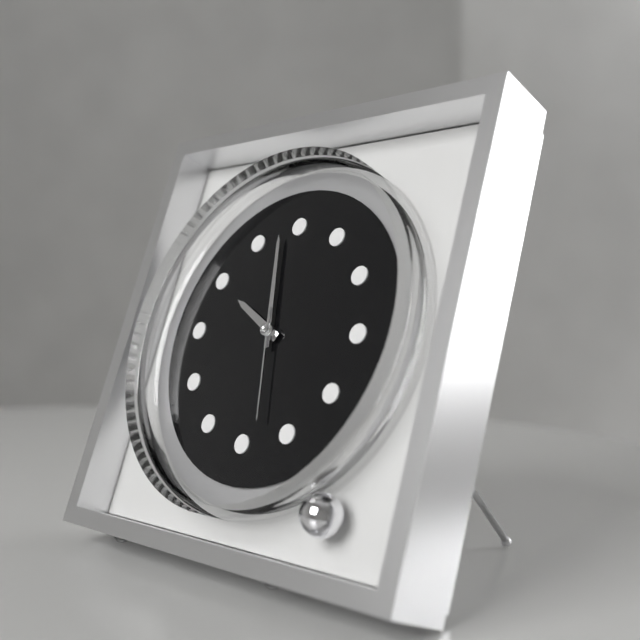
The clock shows {"hour": 9, "minute": 58, "second": 28}
